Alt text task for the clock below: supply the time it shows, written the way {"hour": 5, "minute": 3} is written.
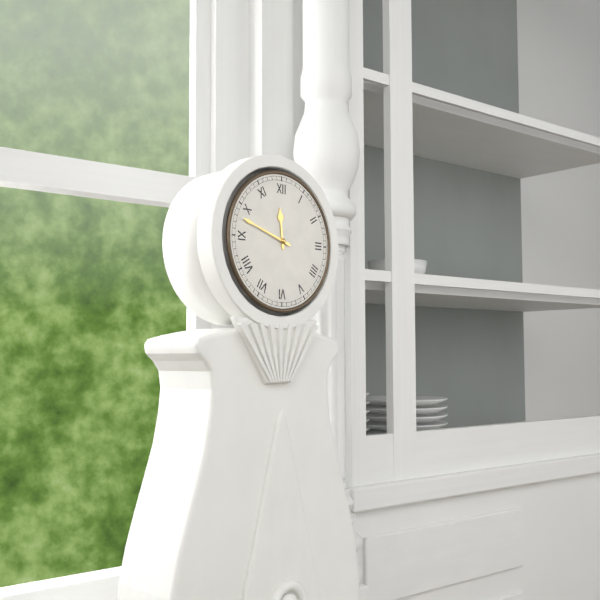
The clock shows {"hour": 11, "minute": 48}
